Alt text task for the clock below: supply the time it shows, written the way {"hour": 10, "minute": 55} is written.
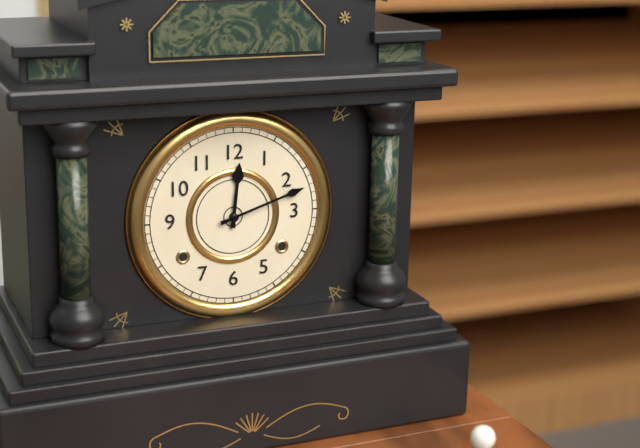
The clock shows {"hour": 12, "minute": 12}
